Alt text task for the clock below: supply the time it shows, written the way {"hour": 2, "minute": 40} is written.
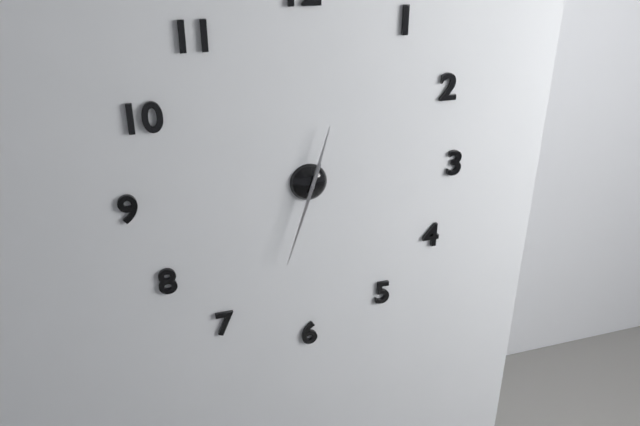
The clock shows {"hour": 12, "minute": 33}
